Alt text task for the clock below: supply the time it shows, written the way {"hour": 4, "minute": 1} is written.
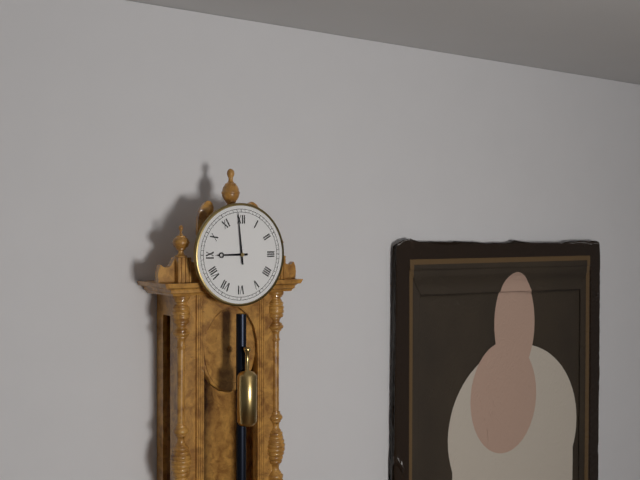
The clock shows {"hour": 8, "minute": 59}
